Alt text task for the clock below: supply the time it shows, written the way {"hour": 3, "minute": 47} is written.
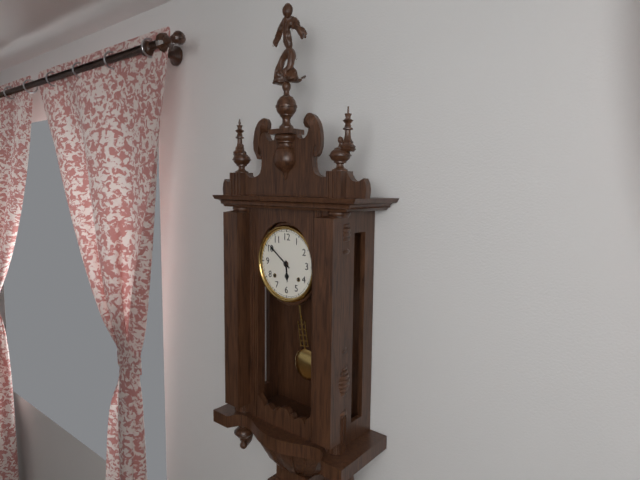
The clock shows {"hour": 5, "minute": 51}
